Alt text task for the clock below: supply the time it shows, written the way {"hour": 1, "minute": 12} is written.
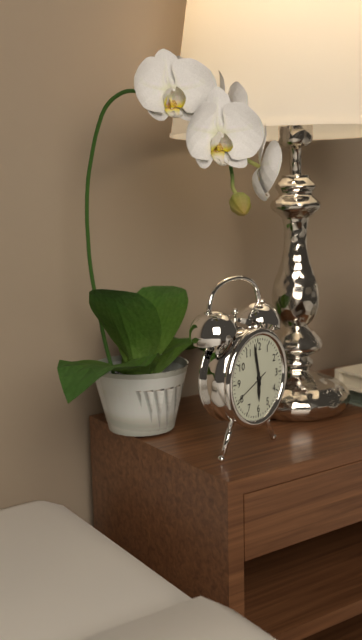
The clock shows {"hour": 5, "minute": 58}
